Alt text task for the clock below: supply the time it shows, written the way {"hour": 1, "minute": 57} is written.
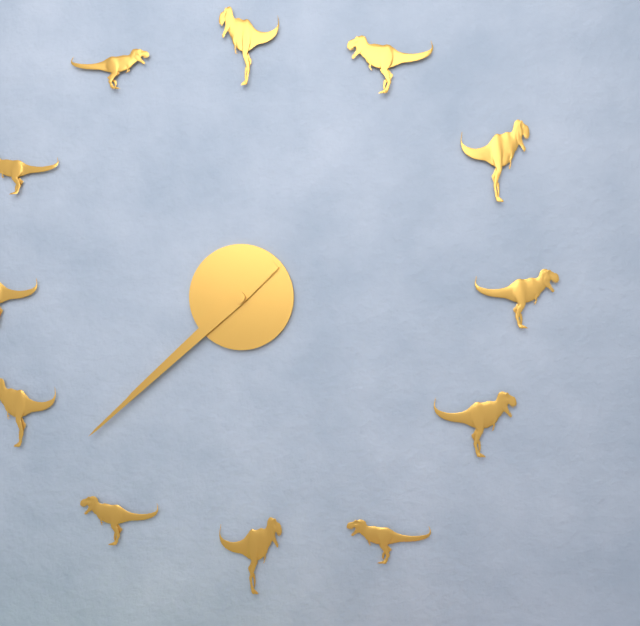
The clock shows {"hour": 7, "minute": 38}
